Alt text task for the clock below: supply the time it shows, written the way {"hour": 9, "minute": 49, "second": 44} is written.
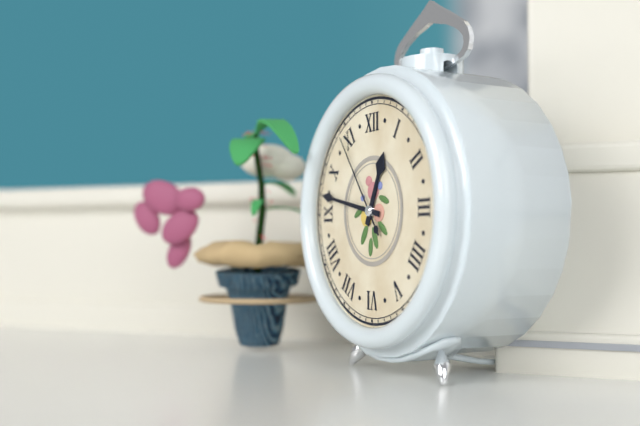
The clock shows {"hour": 12, "minute": 47, "second": 54}
